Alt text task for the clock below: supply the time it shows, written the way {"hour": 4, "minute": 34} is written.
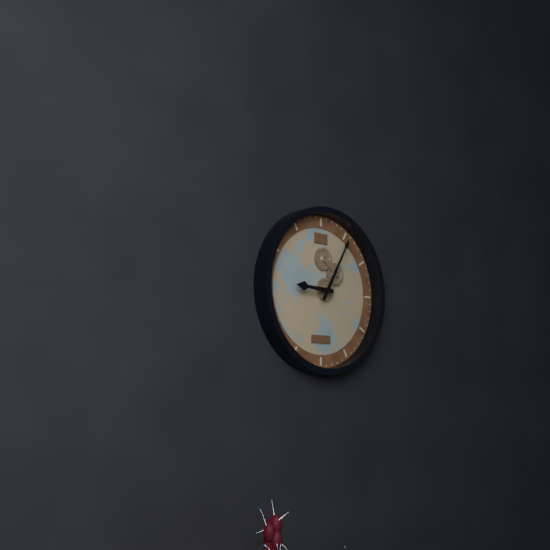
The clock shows {"hour": 9, "minute": 5}
